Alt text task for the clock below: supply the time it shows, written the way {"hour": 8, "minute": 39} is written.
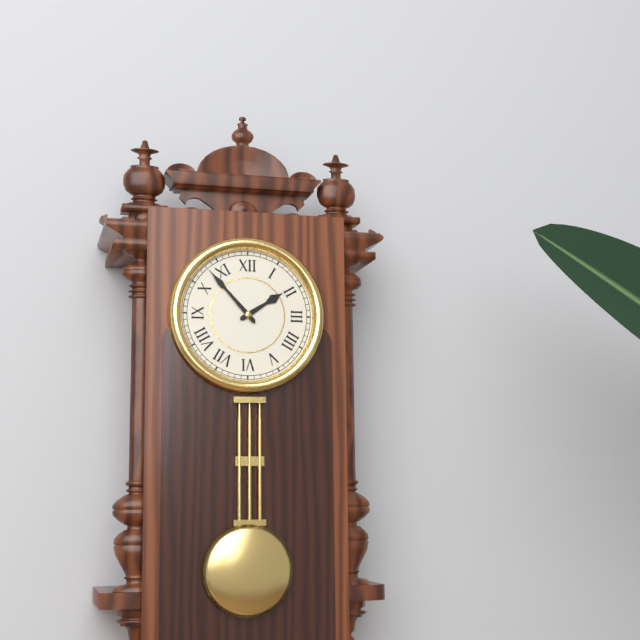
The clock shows {"hour": 1, "minute": 53}
